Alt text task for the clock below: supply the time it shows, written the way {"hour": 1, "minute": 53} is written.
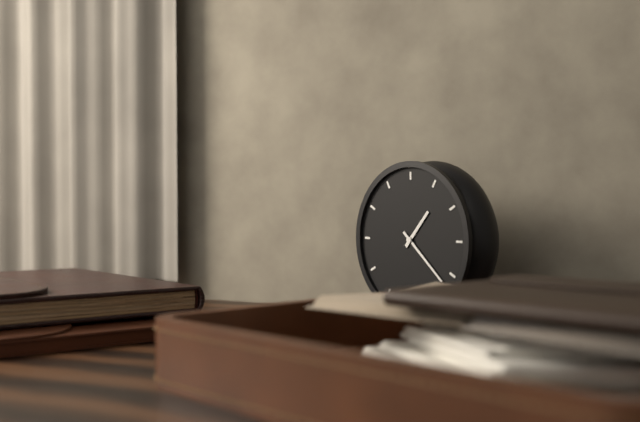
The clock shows {"hour": 1, "minute": 22}
